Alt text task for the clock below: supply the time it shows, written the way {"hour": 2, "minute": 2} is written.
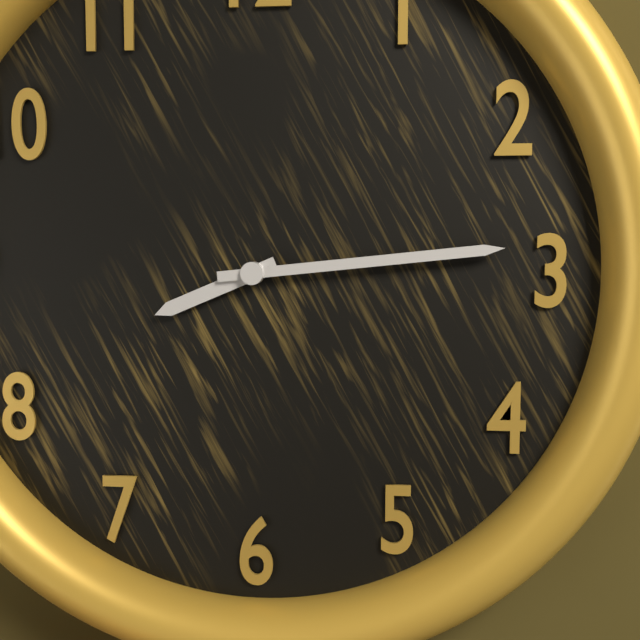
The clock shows {"hour": 8, "minute": 14}
